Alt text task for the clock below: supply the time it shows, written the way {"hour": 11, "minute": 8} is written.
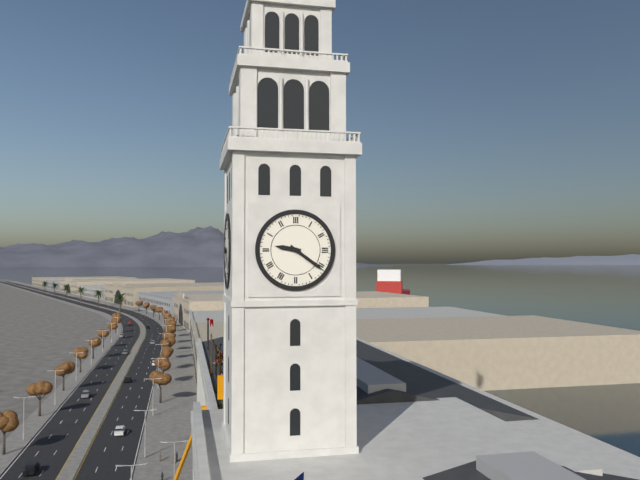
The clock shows {"hour": 9, "minute": 21}
